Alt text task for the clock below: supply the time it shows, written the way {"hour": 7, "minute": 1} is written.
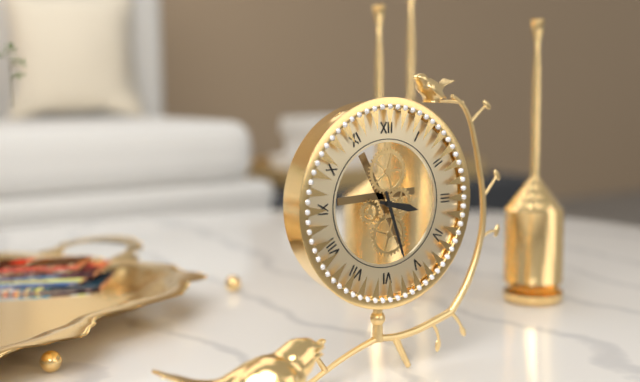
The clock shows {"hour": 3, "minute": 27}
